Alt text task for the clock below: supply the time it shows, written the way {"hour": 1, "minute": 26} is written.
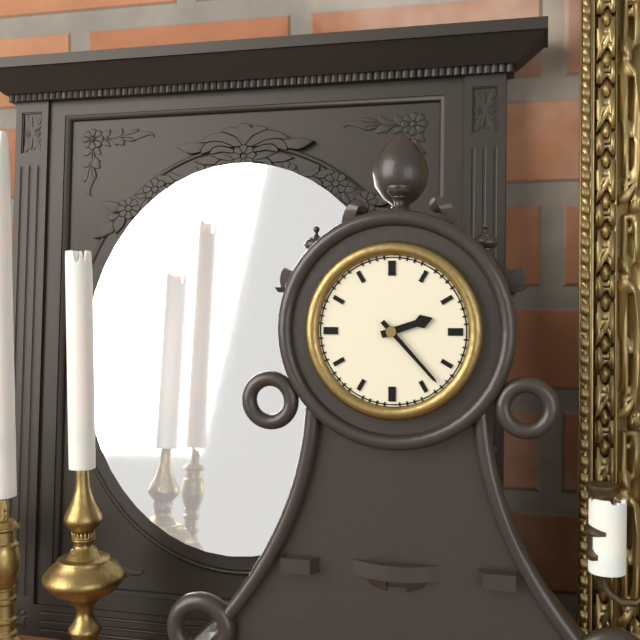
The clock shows {"hour": 2, "minute": 23}
